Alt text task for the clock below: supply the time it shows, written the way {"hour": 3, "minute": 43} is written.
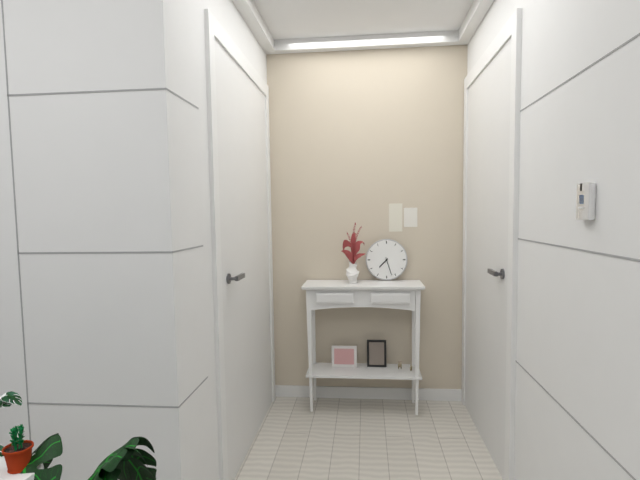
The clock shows {"hour": 7, "minute": 27}
